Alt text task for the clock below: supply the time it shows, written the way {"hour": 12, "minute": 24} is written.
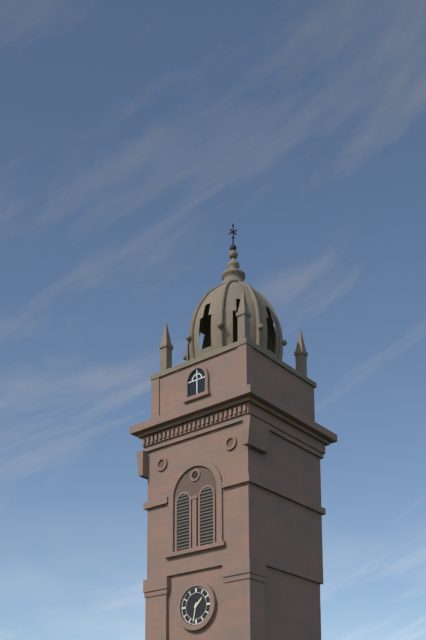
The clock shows {"hour": 1, "minute": 32}
